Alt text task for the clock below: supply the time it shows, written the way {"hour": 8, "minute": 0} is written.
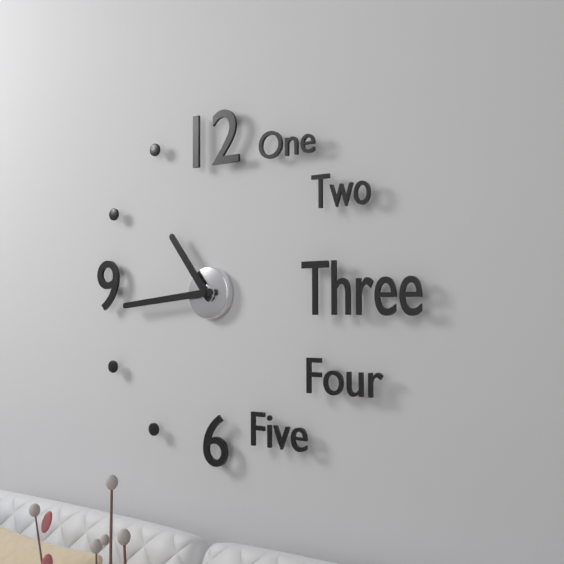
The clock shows {"hour": 10, "minute": 44}
